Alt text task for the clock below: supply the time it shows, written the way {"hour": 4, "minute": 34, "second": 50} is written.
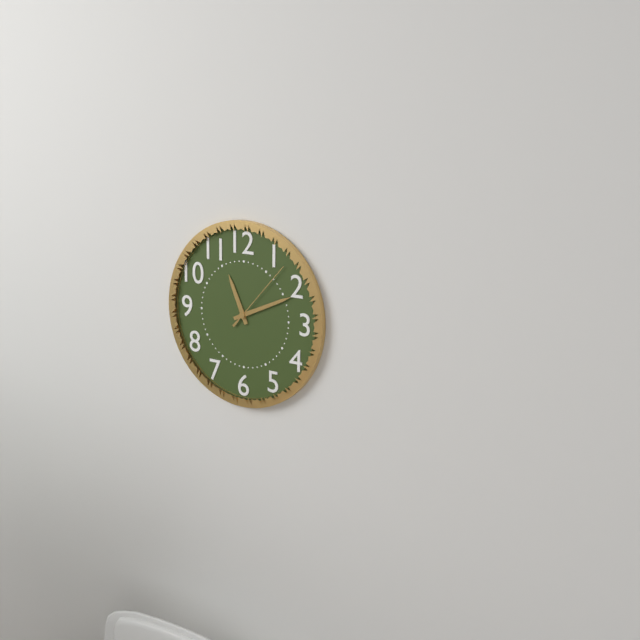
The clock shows {"hour": 11, "minute": 11, "second": 7}
